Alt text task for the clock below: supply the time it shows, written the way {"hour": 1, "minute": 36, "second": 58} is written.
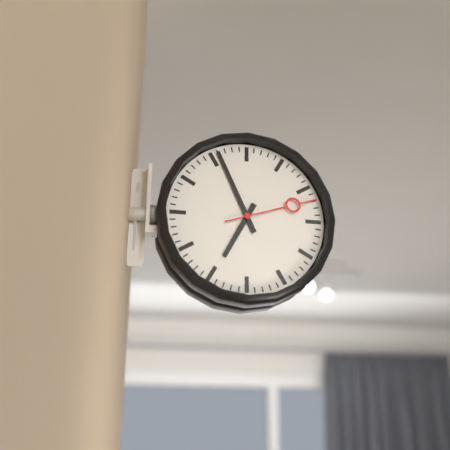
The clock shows {"hour": 6, "minute": 56, "second": 12}
